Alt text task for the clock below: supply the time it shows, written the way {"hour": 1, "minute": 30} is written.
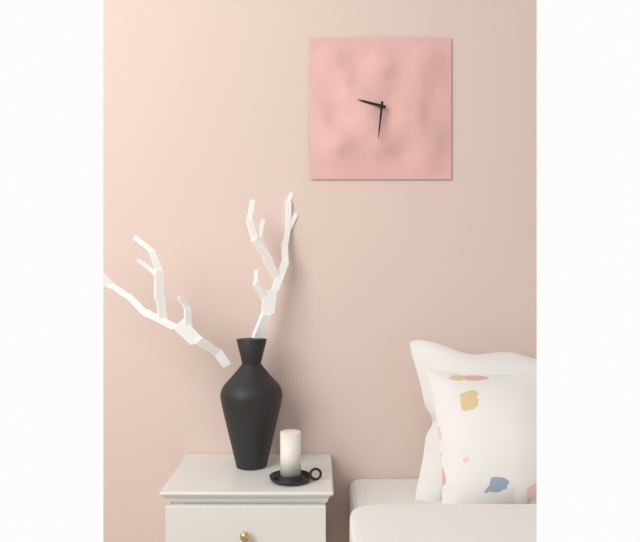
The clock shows {"hour": 9, "minute": 31}
